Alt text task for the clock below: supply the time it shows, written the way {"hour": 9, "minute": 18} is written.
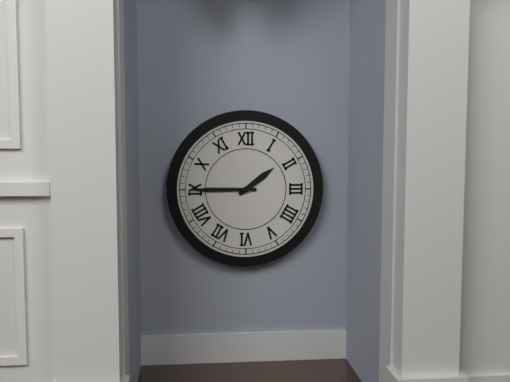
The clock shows {"hour": 1, "minute": 45}
